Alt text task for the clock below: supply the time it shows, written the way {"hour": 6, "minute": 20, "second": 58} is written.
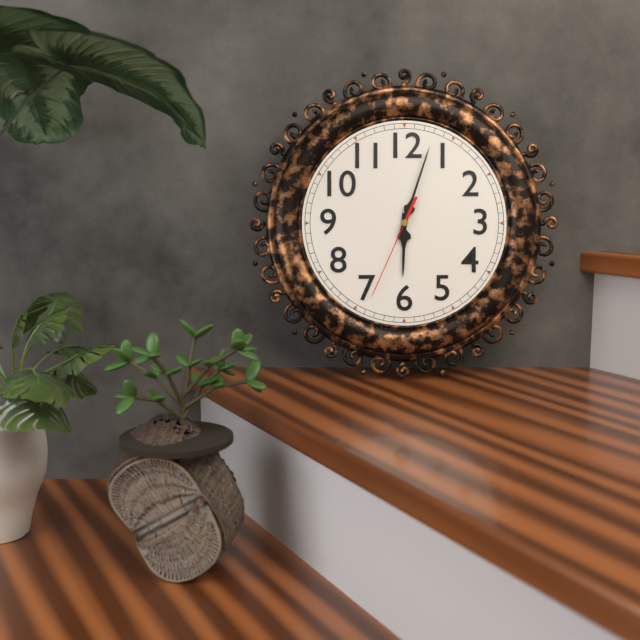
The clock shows {"hour": 6, "minute": 3, "second": 34}
